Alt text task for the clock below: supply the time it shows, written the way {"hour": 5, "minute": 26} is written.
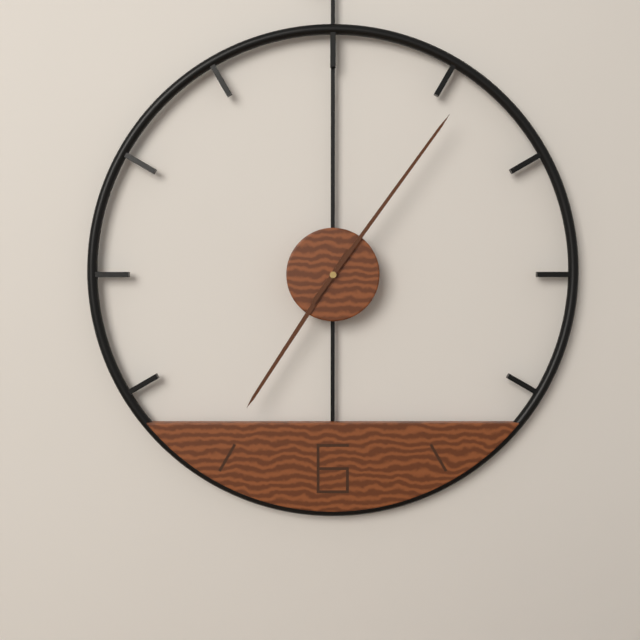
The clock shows {"hour": 7, "minute": 6}
